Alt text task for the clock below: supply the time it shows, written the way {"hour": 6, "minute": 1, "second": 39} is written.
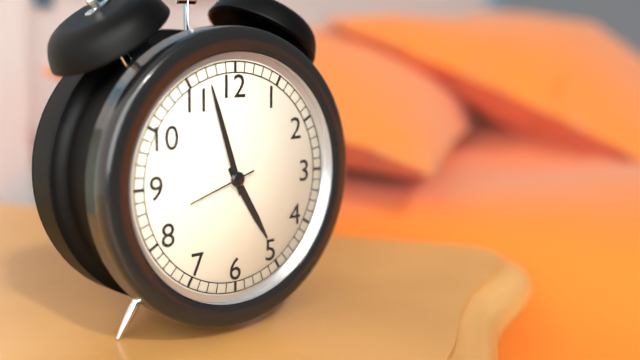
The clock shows {"hour": 4, "minute": 57, "second": 42}
